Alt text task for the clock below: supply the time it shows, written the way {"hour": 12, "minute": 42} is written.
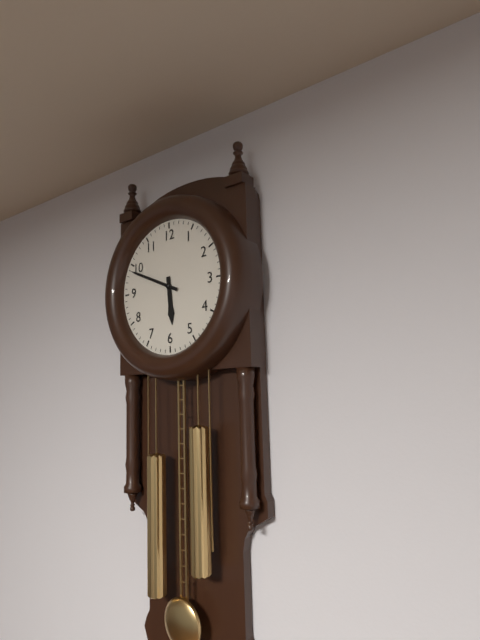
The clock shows {"hour": 5, "minute": 49}
